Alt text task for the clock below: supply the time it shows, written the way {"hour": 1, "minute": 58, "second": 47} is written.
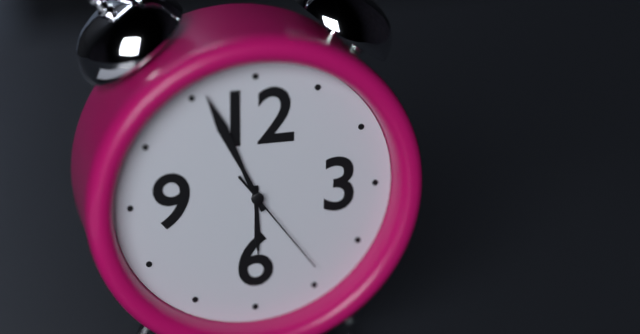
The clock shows {"hour": 5, "minute": 56, "second": 24}
